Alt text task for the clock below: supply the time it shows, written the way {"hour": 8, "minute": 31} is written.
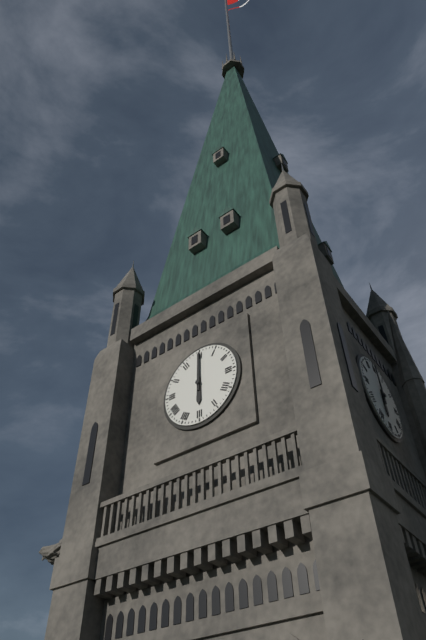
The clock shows {"hour": 6, "minute": 0}
